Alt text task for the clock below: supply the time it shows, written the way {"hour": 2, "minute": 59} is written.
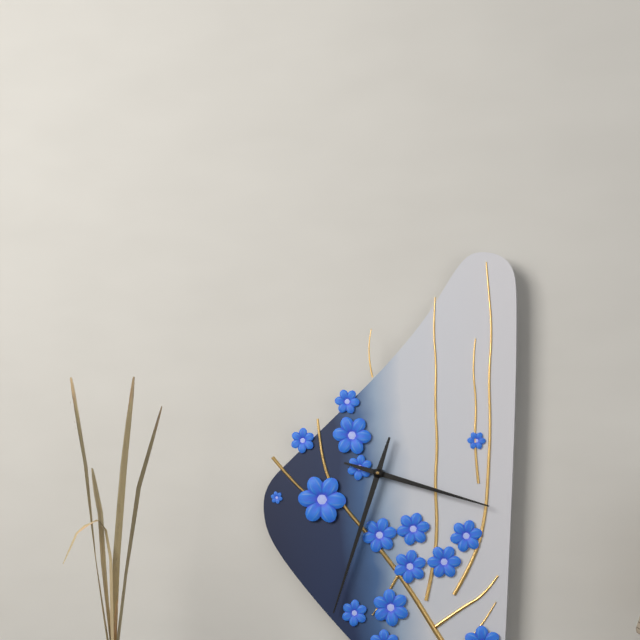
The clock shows {"hour": 3, "minute": 33}
